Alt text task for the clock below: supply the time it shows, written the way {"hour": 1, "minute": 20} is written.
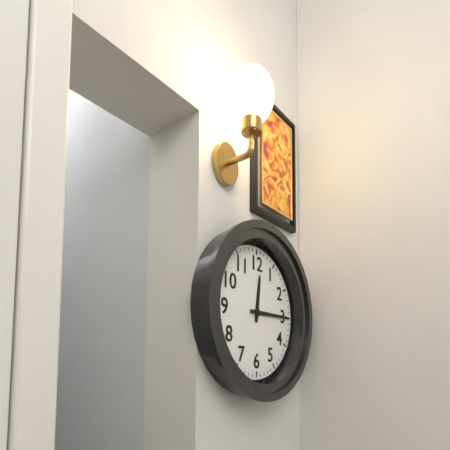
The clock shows {"hour": 12, "minute": 15}
